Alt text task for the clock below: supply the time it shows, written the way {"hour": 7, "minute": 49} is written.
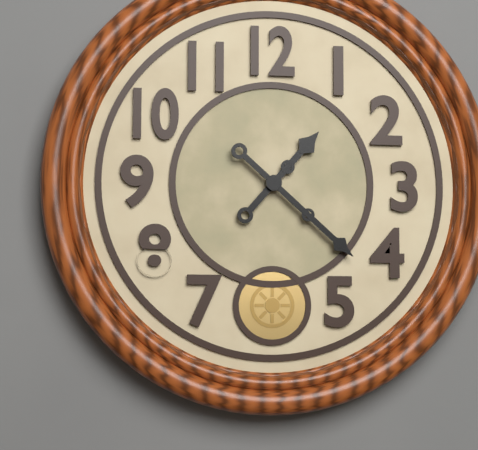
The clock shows {"hour": 1, "minute": 22}
